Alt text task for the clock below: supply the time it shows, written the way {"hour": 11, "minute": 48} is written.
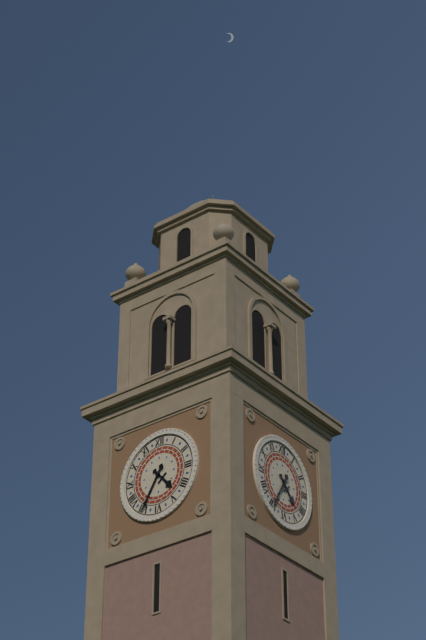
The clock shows {"hour": 4, "minute": 35}
